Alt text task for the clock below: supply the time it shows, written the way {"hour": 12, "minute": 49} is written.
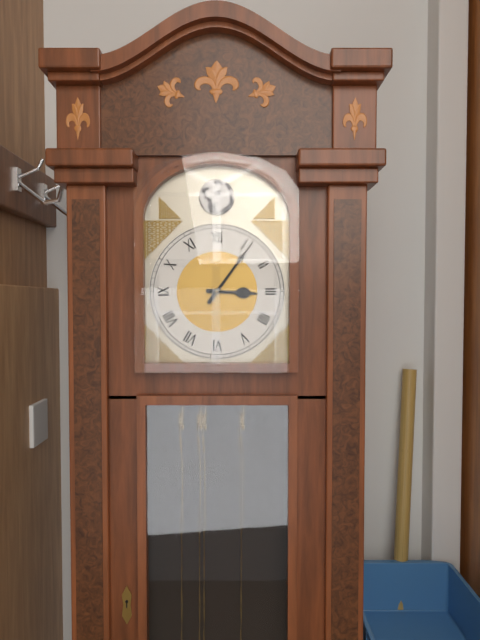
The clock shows {"hour": 3, "minute": 6}
